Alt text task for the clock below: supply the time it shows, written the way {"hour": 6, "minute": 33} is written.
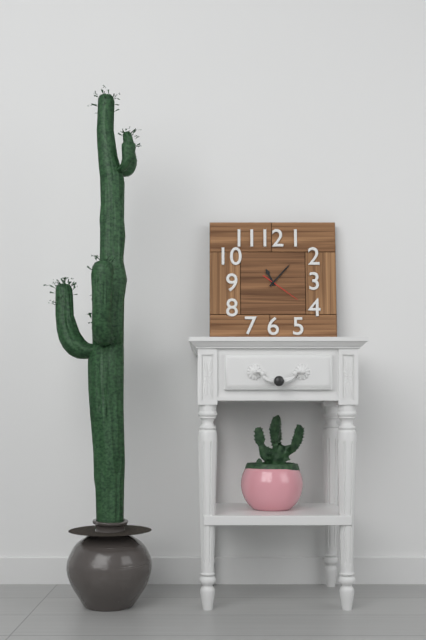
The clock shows {"hour": 11, "minute": 7}
